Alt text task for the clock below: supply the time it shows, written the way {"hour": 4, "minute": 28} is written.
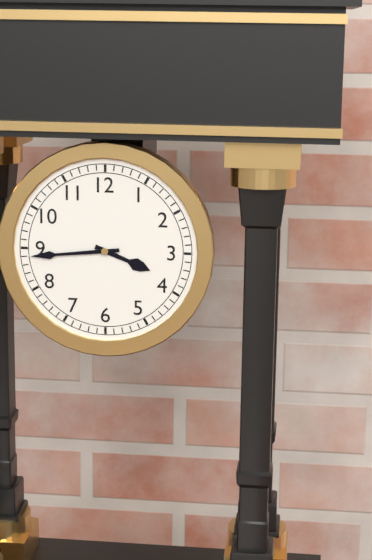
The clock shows {"hour": 3, "minute": 44}
